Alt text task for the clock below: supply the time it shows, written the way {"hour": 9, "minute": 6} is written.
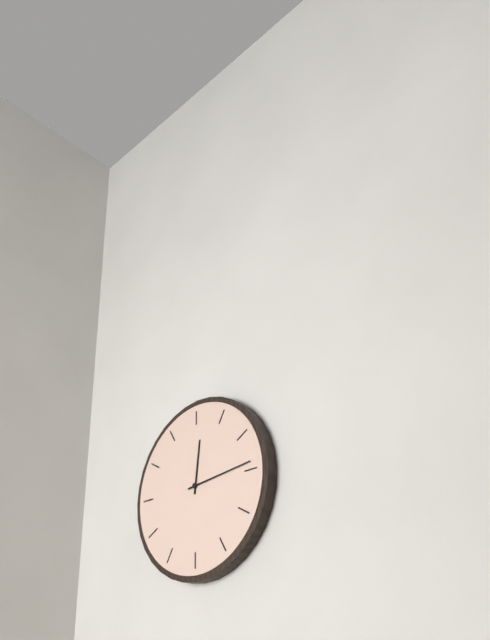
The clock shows {"hour": 12, "minute": 14}
